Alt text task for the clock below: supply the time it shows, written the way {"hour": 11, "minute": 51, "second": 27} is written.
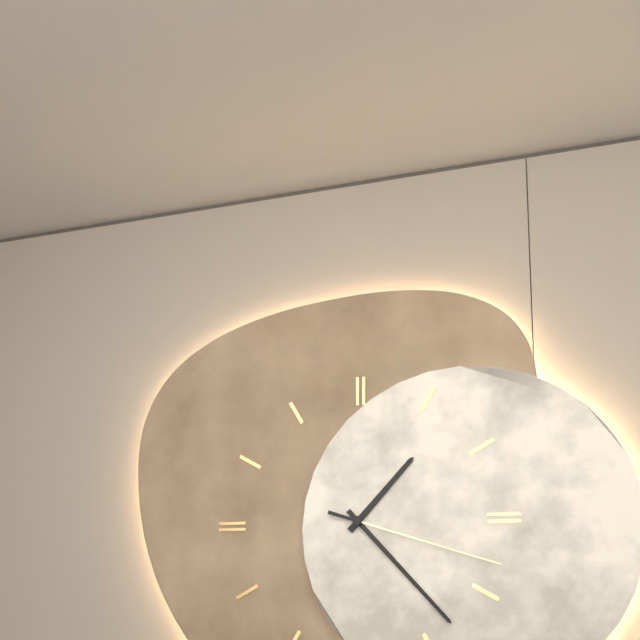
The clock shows {"hour": 1, "minute": 23, "second": 18}
